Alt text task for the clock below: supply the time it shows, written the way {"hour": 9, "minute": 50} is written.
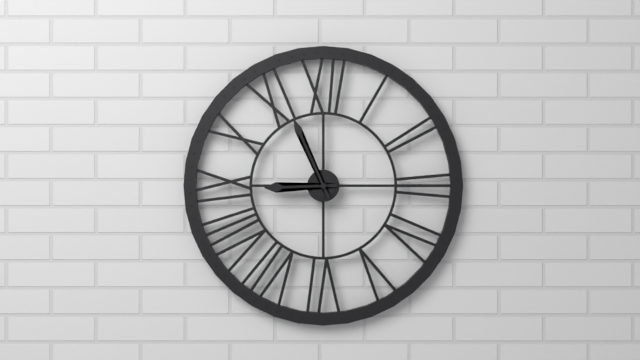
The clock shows {"hour": 8, "minute": 56}
